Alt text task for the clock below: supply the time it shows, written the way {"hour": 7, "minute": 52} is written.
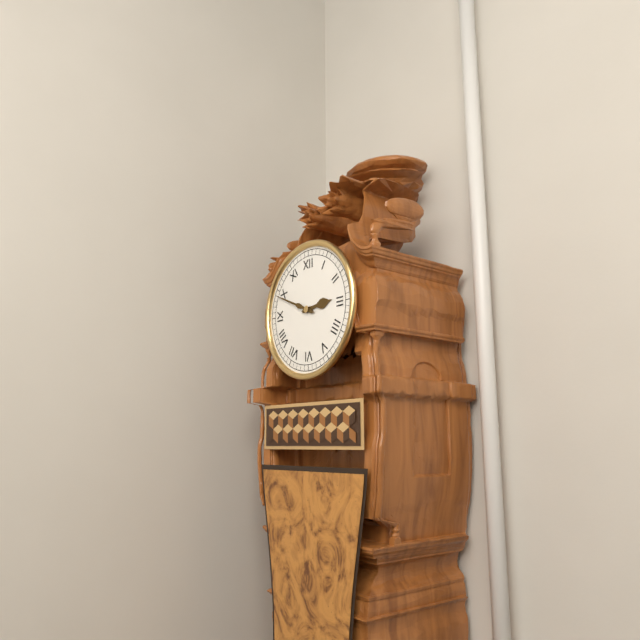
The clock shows {"hour": 2, "minute": 49}
